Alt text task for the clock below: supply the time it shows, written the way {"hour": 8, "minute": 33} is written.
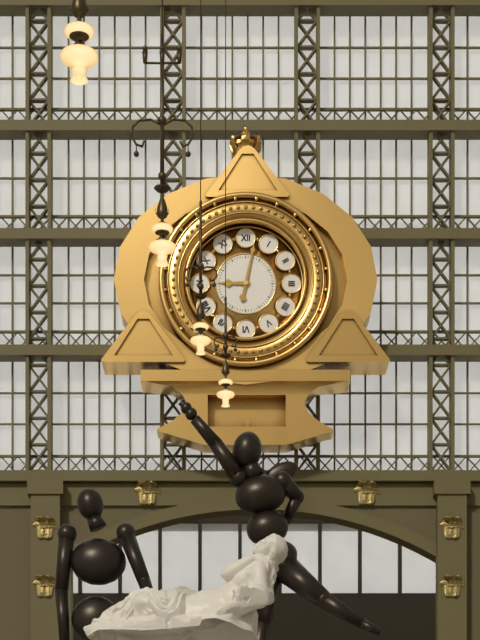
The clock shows {"hour": 9, "minute": 2}
